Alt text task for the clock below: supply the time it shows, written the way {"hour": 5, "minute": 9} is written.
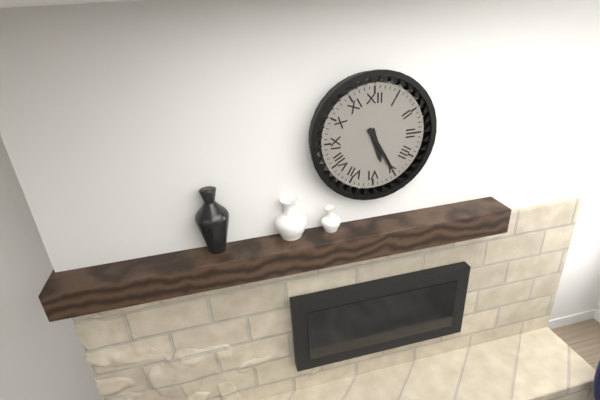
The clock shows {"hour": 5, "minute": 25}
